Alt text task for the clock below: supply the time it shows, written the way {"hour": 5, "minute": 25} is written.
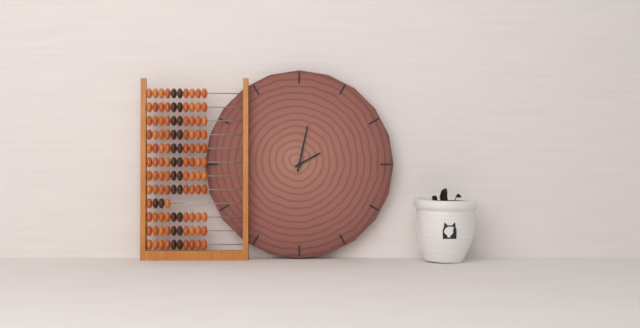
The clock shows {"hour": 2, "minute": 2}
